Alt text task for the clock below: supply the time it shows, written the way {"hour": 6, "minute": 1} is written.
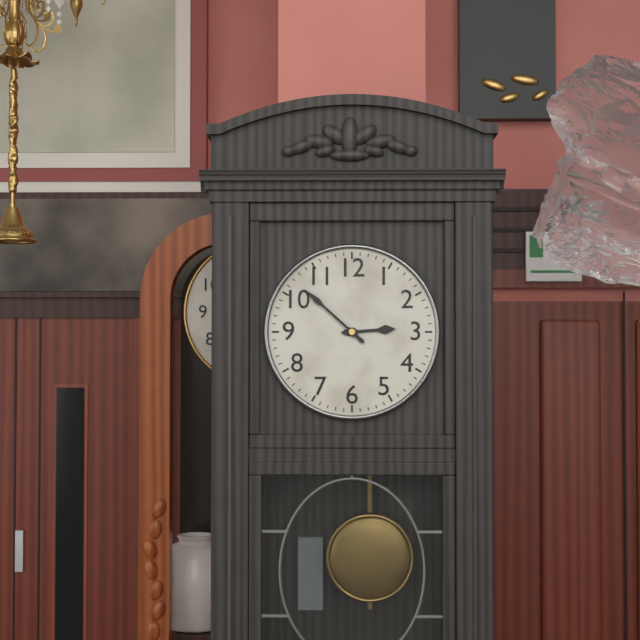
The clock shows {"hour": 2, "minute": 52}
